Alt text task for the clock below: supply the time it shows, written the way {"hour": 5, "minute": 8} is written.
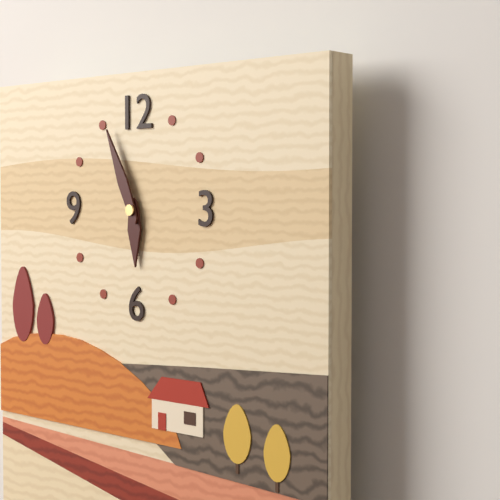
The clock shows {"hour": 5, "minute": 56}
